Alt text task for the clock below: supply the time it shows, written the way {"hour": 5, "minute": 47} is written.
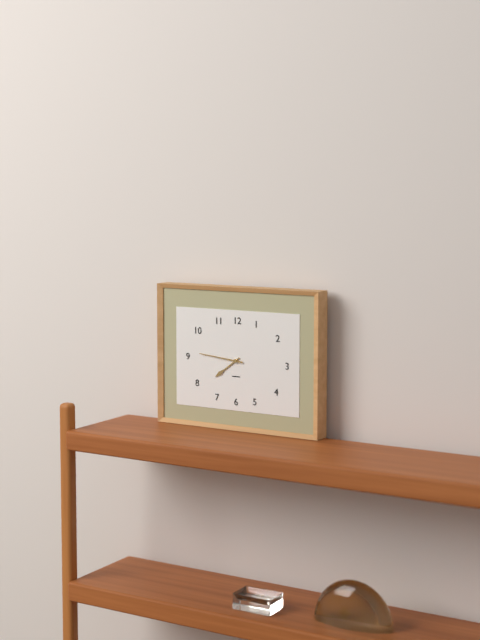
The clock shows {"hour": 7, "minute": 46}
